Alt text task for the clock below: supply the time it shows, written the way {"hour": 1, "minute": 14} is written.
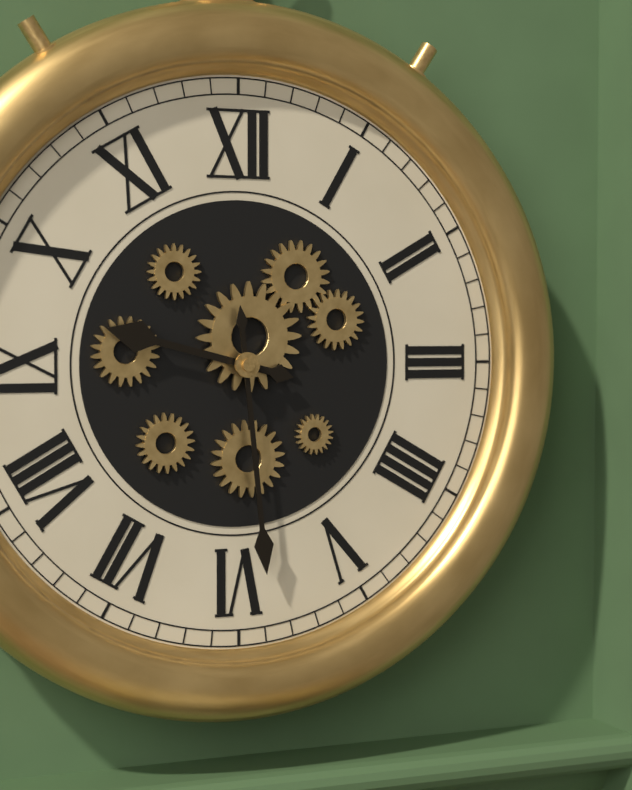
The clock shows {"hour": 9, "minute": 29}
